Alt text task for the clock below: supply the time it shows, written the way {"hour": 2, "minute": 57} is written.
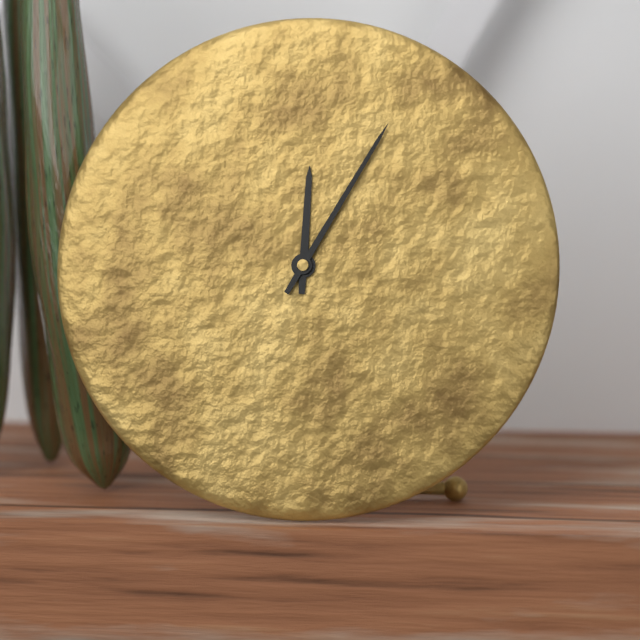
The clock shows {"hour": 12, "minute": 5}
